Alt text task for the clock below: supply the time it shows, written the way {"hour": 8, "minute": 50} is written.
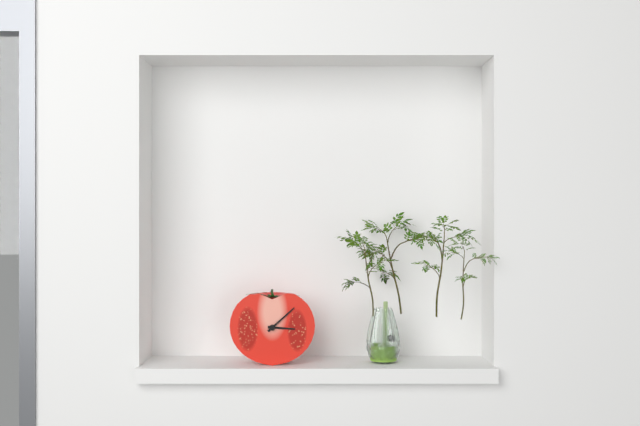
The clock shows {"hour": 3, "minute": 8}
